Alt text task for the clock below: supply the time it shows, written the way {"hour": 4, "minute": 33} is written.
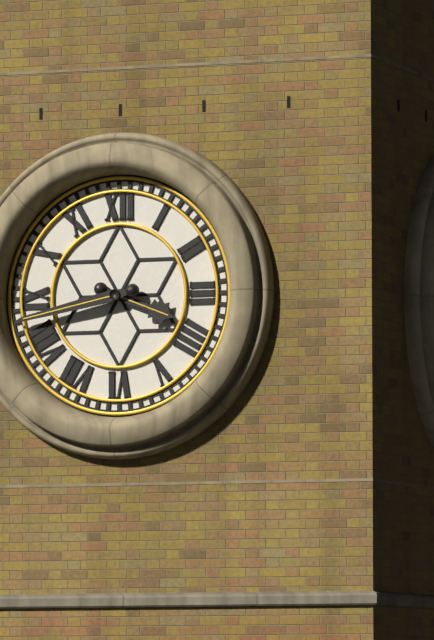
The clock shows {"hour": 3, "minute": 43}
